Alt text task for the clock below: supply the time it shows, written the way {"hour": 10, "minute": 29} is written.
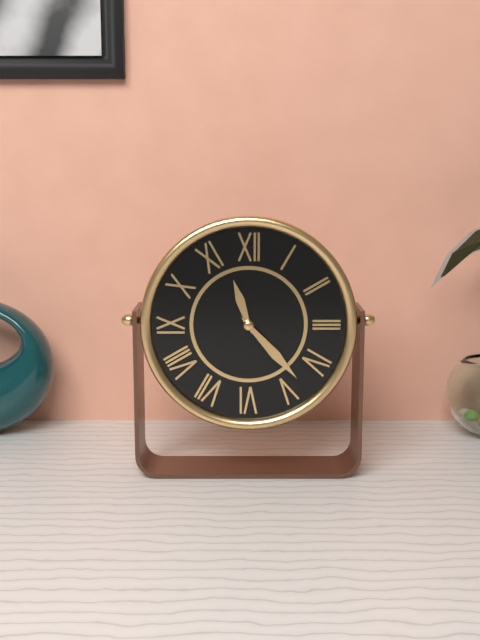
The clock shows {"hour": 11, "minute": 23}
